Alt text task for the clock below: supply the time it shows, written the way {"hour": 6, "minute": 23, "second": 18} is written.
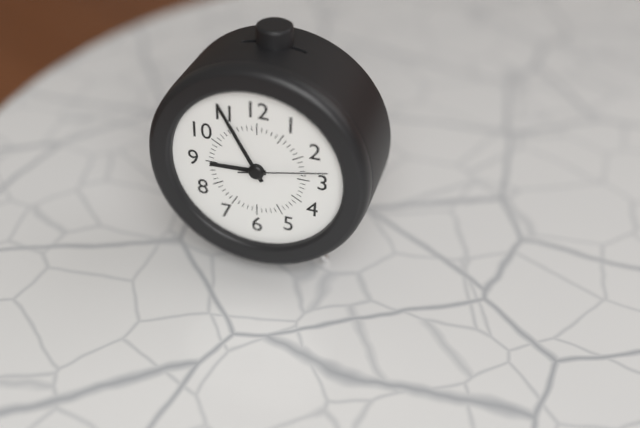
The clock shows {"hour": 8, "minute": 55, "second": 13}
